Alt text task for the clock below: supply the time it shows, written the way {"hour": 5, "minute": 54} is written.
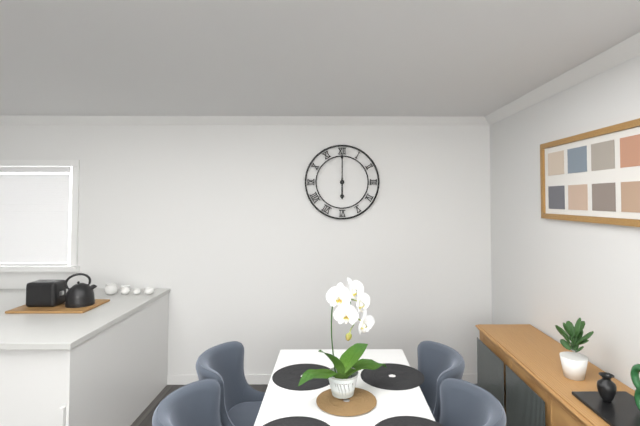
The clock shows {"hour": 6, "minute": 0}
